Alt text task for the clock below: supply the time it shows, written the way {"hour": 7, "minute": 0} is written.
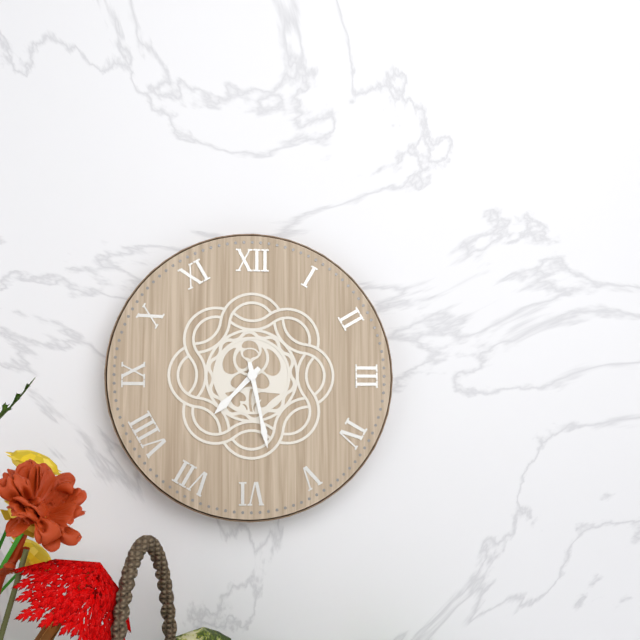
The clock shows {"hour": 7, "minute": 28}
